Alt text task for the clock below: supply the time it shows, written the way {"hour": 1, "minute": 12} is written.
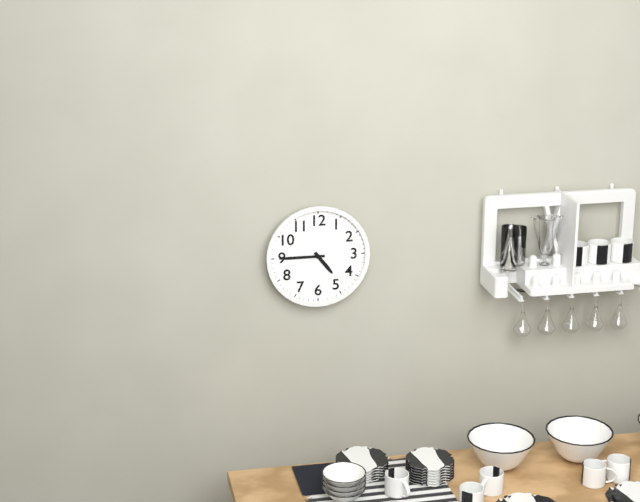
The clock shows {"hour": 4, "minute": 45}
